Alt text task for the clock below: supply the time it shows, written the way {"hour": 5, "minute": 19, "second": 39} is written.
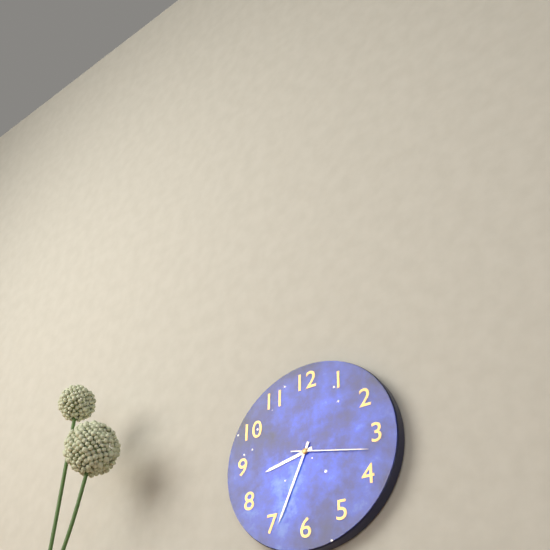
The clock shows {"hour": 8, "minute": 34, "second": 17}
